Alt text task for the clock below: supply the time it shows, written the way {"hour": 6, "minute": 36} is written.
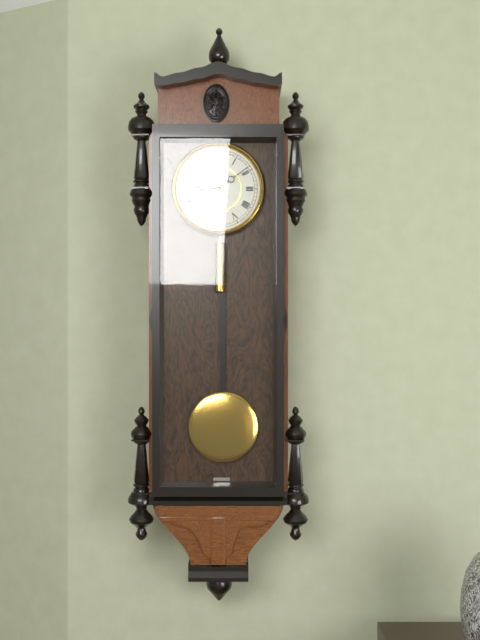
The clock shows {"hour": 9, "minute": 9}
